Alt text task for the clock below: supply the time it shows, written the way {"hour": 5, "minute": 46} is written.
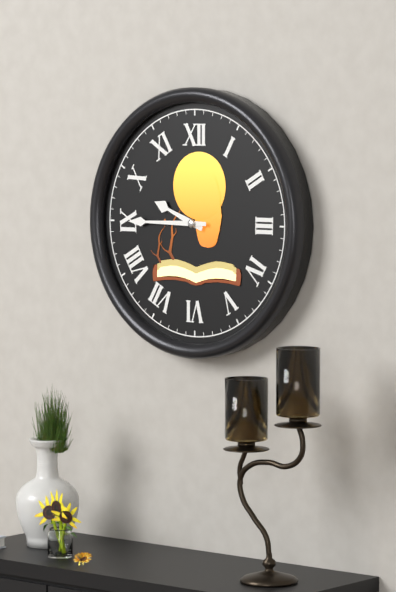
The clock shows {"hour": 9, "minute": 45}
